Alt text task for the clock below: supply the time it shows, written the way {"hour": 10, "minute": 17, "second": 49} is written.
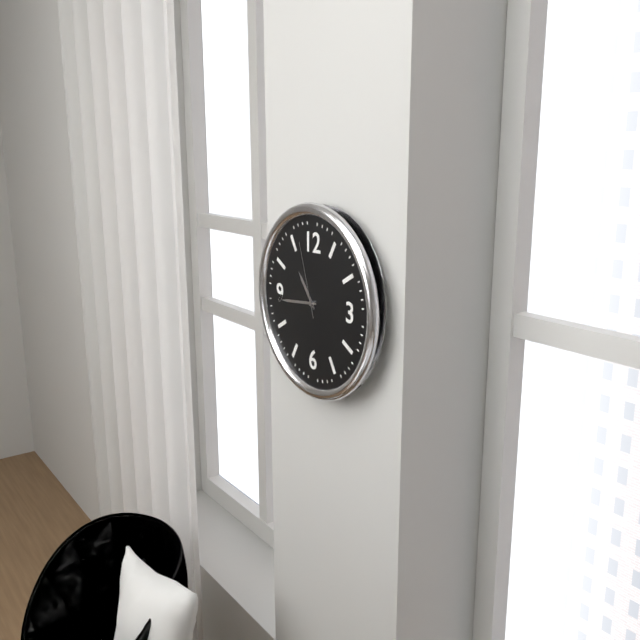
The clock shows {"hour": 10, "minute": 44, "second": 57}
